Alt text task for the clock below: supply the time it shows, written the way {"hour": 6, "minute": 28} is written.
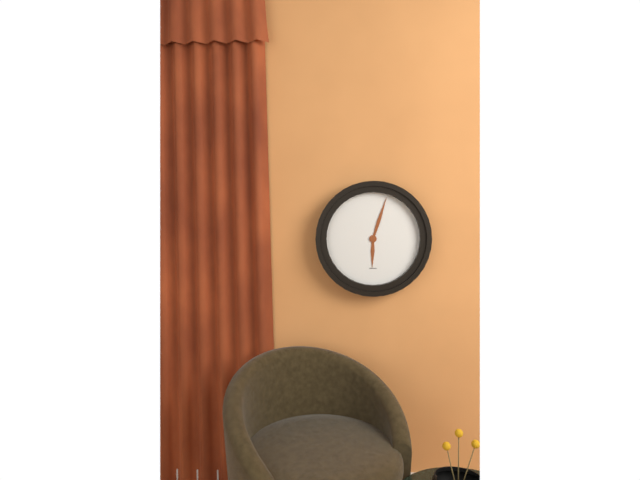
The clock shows {"hour": 6, "minute": 3}
